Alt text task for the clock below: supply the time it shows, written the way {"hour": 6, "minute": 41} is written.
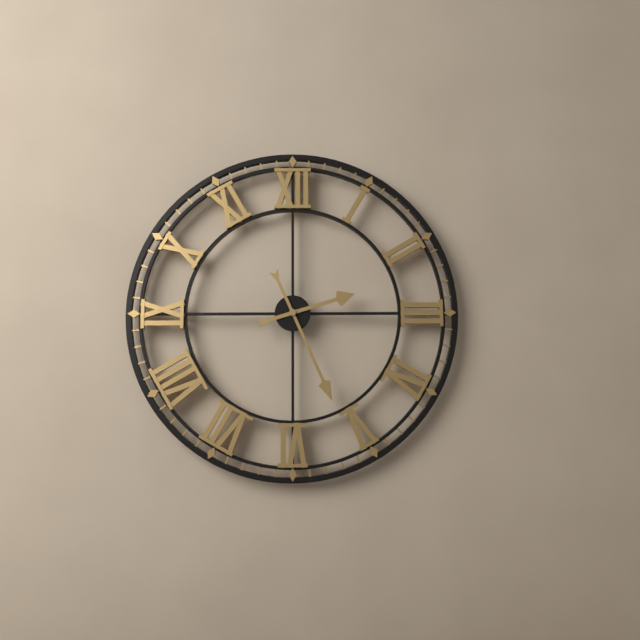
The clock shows {"hour": 2, "minute": 26}
